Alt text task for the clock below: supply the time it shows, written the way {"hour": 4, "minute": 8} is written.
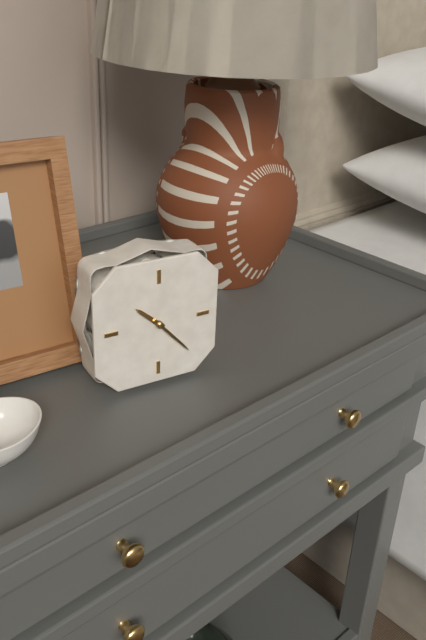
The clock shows {"hour": 10, "minute": 23}
